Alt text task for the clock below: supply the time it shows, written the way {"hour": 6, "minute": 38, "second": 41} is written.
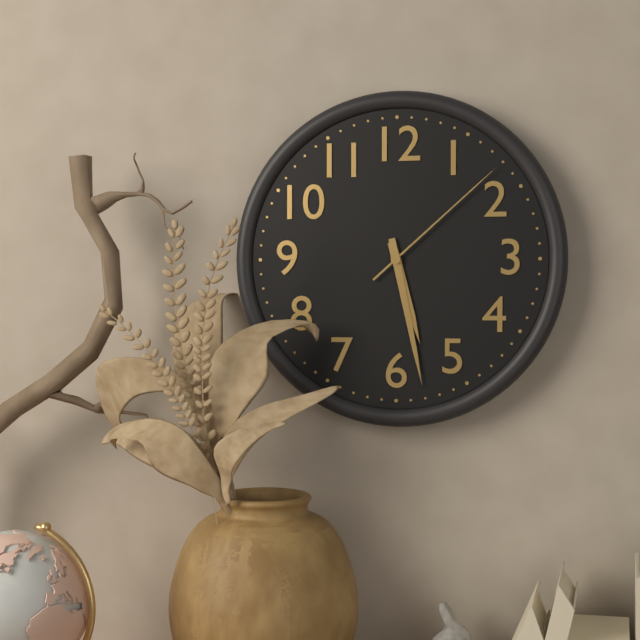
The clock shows {"hour": 5, "minute": 28, "second": 8}
